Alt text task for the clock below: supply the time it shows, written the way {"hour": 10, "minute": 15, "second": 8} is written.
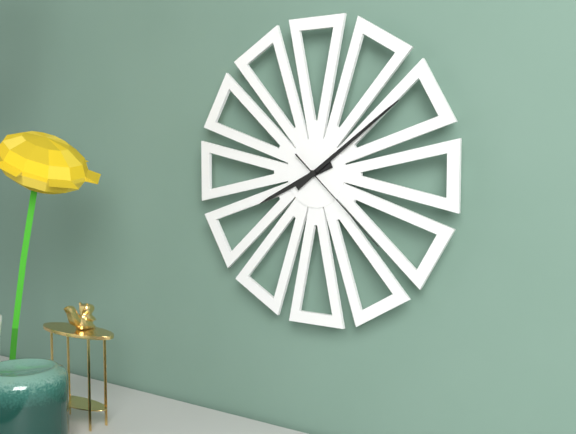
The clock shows {"hour": 8, "minute": 9, "second": 22}
